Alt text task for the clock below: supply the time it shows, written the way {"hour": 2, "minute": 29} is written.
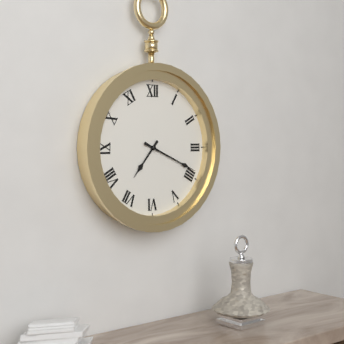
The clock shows {"hour": 7, "minute": 19}
